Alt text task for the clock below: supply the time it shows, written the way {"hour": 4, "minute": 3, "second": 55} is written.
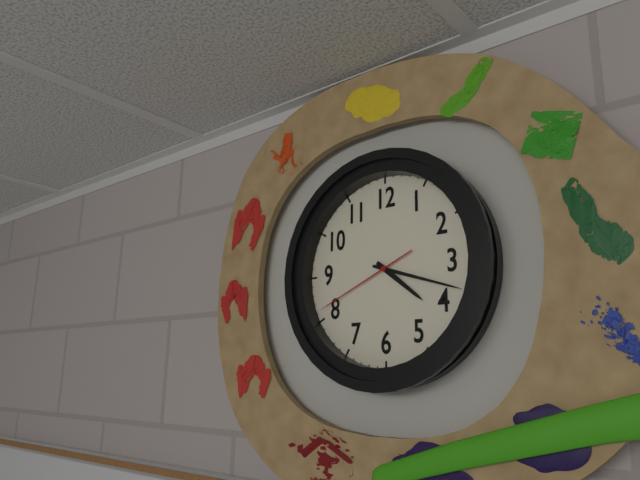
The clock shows {"hour": 4, "minute": 18, "second": 41}
